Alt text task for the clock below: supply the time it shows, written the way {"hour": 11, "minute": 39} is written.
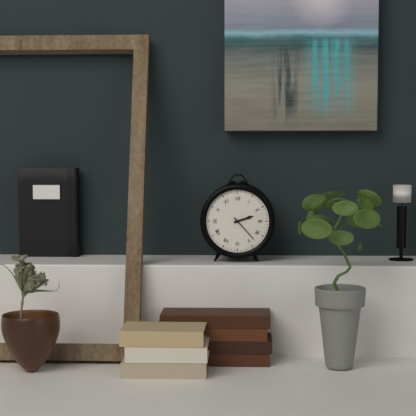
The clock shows {"hour": 2, "minute": 23}
